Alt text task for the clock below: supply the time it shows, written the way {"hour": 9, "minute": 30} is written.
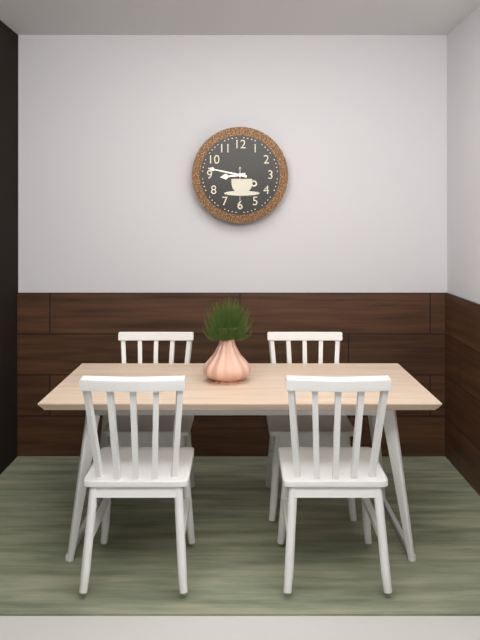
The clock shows {"hour": 8, "minute": 47}
